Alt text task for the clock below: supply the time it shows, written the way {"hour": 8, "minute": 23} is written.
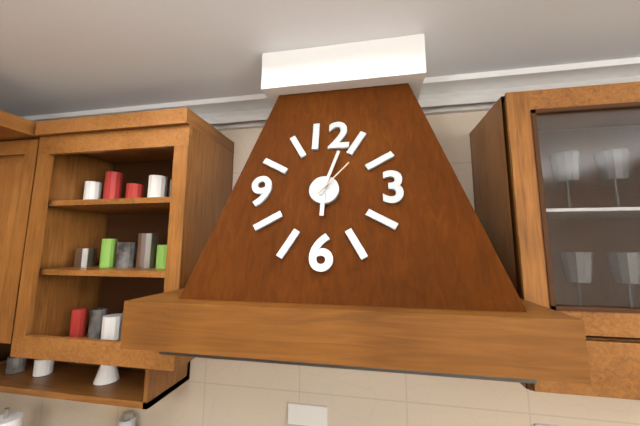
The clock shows {"hour": 6, "minute": 3}
